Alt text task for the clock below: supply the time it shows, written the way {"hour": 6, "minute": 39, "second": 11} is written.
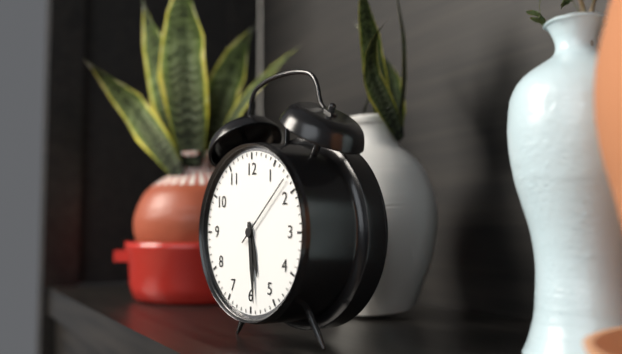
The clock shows {"hour": 5, "minute": 29, "second": 8}
